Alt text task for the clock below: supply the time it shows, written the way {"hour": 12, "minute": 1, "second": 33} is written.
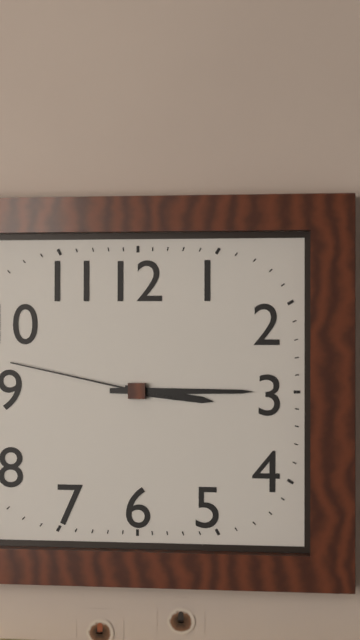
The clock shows {"hour": 3, "minute": 15, "second": 47}
